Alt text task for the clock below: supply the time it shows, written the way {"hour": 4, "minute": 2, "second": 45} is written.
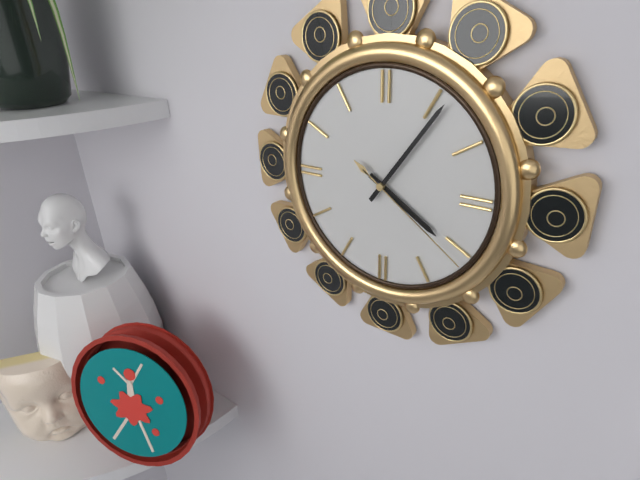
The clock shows {"hour": 4, "minute": 6, "second": 21}
